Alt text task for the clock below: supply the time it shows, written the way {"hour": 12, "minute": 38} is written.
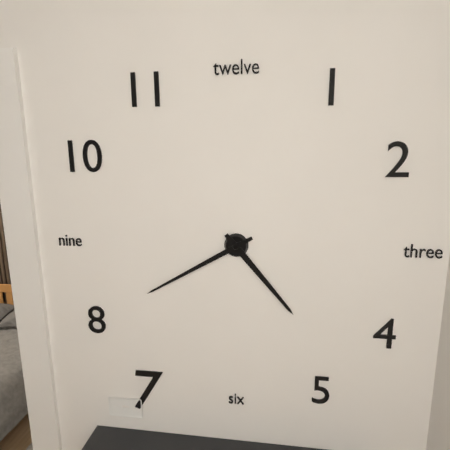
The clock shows {"hour": 4, "minute": 40}
